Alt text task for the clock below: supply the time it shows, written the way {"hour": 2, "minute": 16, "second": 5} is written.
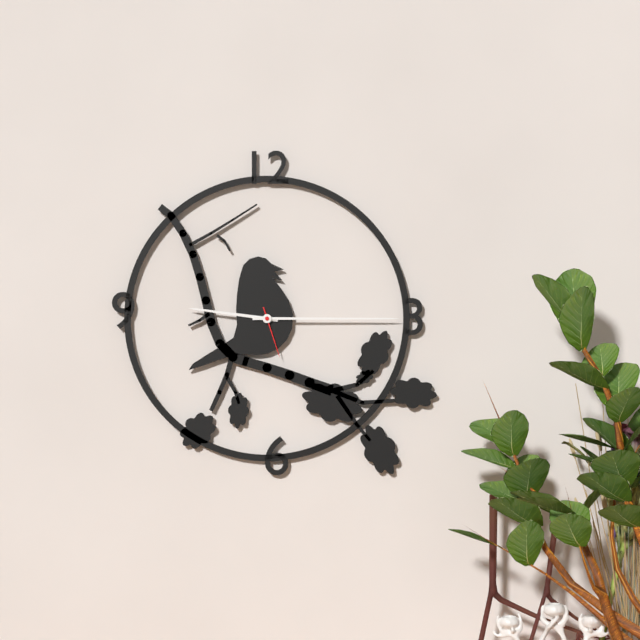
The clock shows {"hour": 9, "minute": 15, "second": 27}
